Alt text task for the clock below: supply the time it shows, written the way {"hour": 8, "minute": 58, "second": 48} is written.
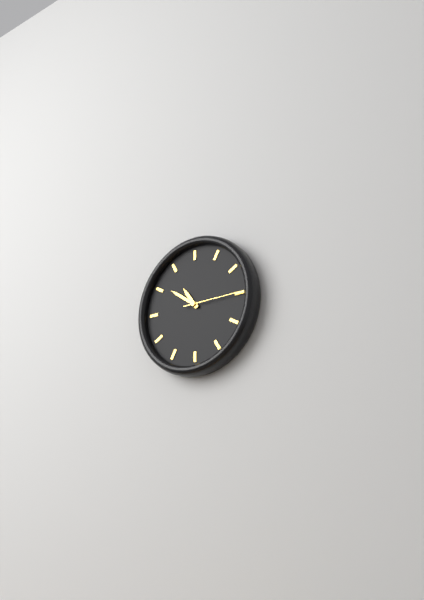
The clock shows {"hour": 10, "minute": 51, "second": 15}
